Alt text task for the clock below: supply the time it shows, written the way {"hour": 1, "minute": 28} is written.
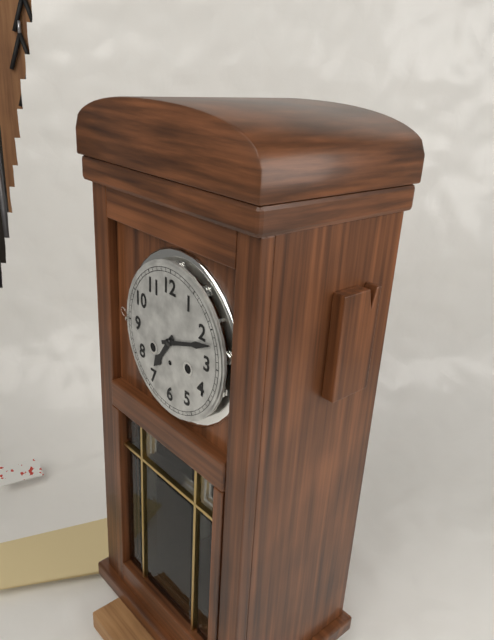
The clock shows {"hour": 7, "minute": 12}
